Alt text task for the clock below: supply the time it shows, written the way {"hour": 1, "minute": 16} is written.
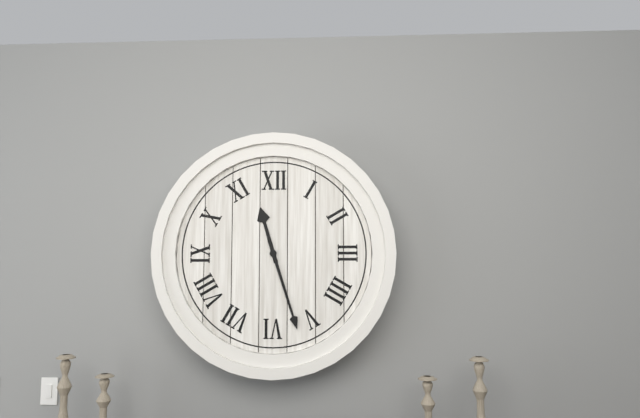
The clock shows {"hour": 11, "minute": 27}
